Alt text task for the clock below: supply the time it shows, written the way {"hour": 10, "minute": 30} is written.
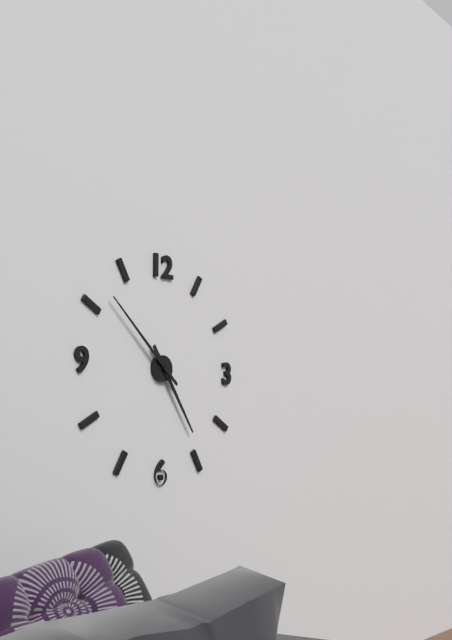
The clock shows {"hour": 4, "minute": 52}
